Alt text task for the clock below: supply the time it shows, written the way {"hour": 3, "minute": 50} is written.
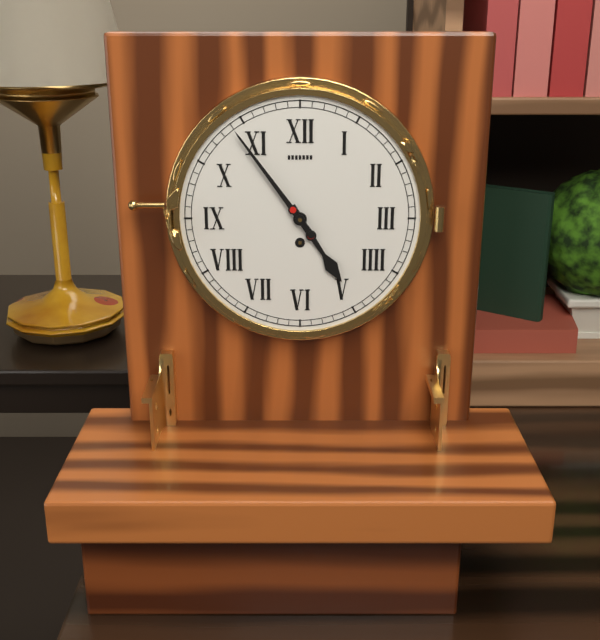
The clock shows {"hour": 4, "minute": 54}
